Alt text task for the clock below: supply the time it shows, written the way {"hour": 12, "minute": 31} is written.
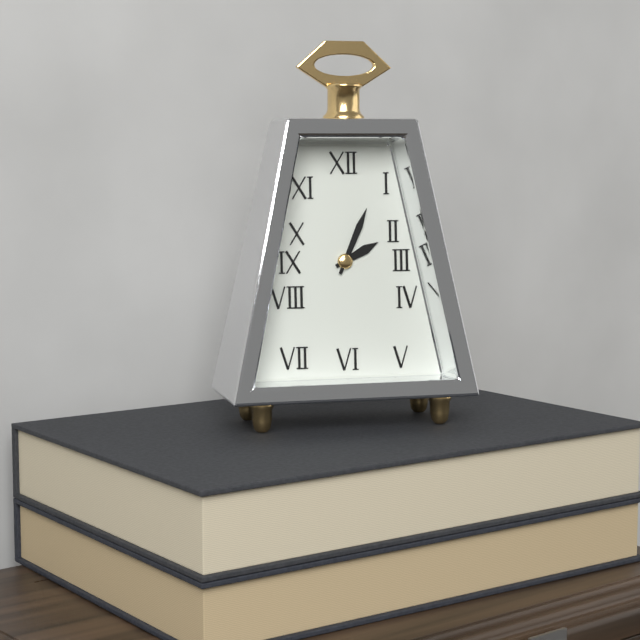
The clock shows {"hour": 2, "minute": 4}
